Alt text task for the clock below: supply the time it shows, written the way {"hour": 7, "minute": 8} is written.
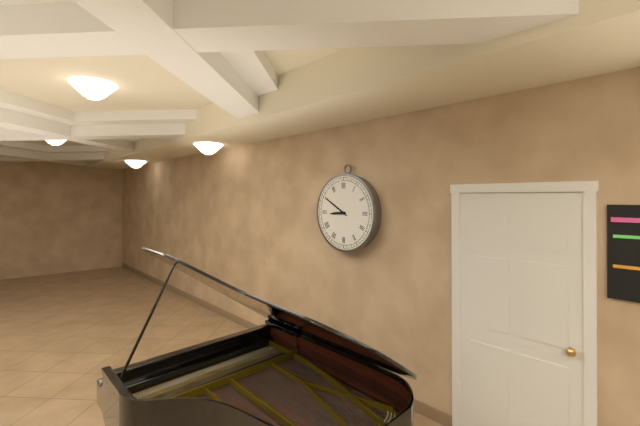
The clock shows {"hour": 8, "minute": 50}
